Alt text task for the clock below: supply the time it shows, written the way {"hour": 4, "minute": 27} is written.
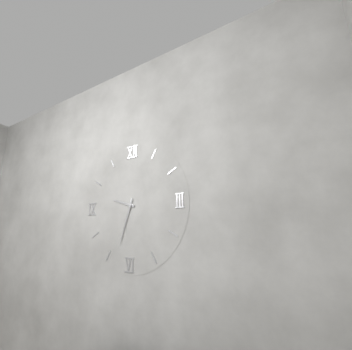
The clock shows {"hour": 9, "minute": 33}
